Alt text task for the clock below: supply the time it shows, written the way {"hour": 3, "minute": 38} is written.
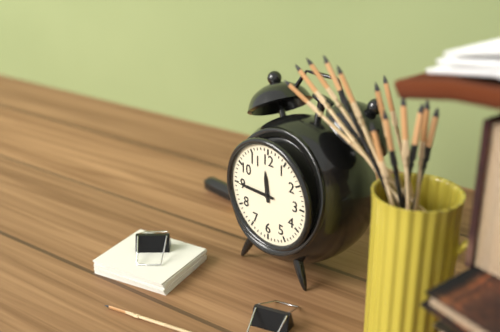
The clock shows {"hour": 11, "minute": 45}
